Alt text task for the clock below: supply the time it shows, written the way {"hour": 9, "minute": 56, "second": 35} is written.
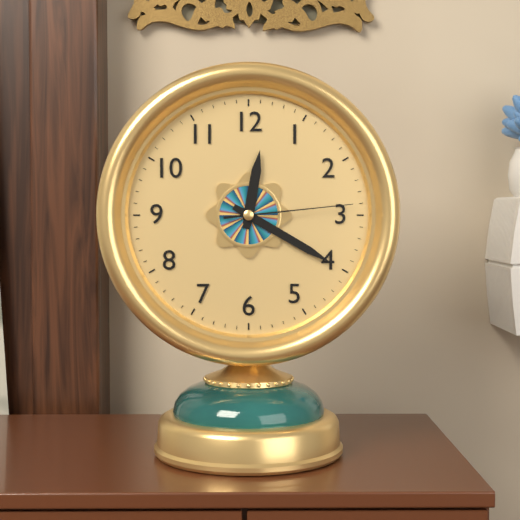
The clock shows {"hour": 12, "minute": 20, "second": 14}
